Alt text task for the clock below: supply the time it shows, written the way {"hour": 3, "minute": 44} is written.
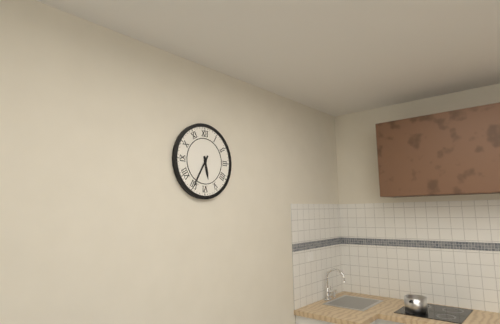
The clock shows {"hour": 5, "minute": 35}
